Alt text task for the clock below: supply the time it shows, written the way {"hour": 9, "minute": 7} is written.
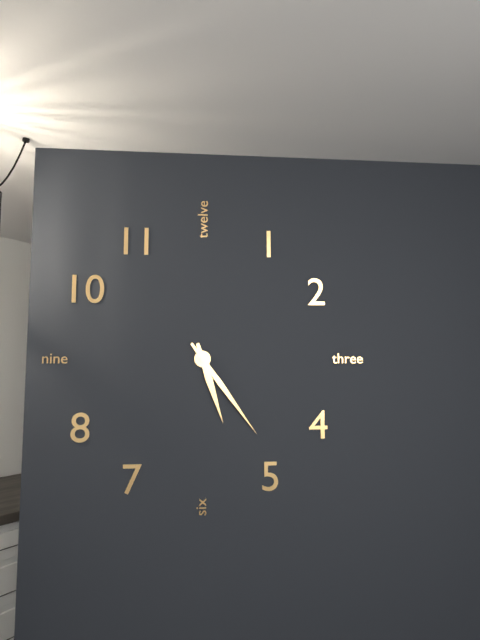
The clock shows {"hour": 5, "minute": 24}
